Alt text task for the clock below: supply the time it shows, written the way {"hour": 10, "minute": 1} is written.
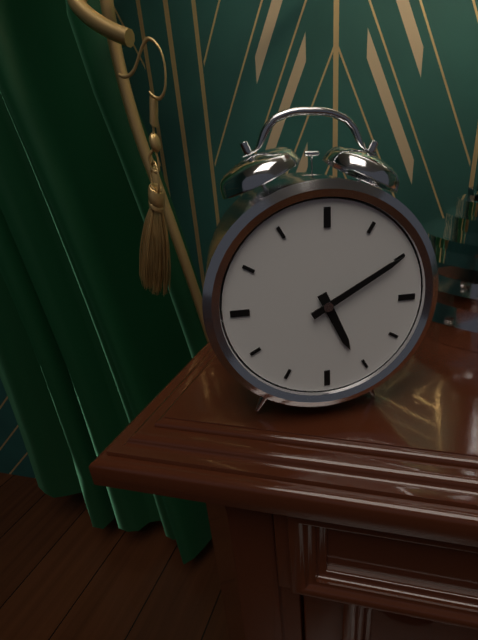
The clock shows {"hour": 5, "minute": 10}
